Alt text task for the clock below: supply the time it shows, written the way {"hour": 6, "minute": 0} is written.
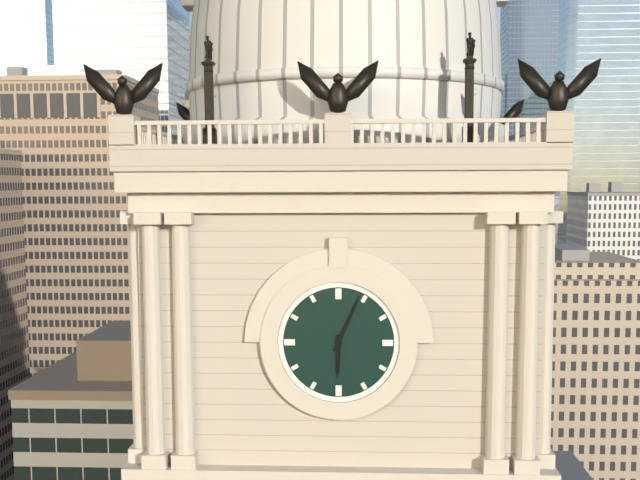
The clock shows {"hour": 6, "minute": 4}
